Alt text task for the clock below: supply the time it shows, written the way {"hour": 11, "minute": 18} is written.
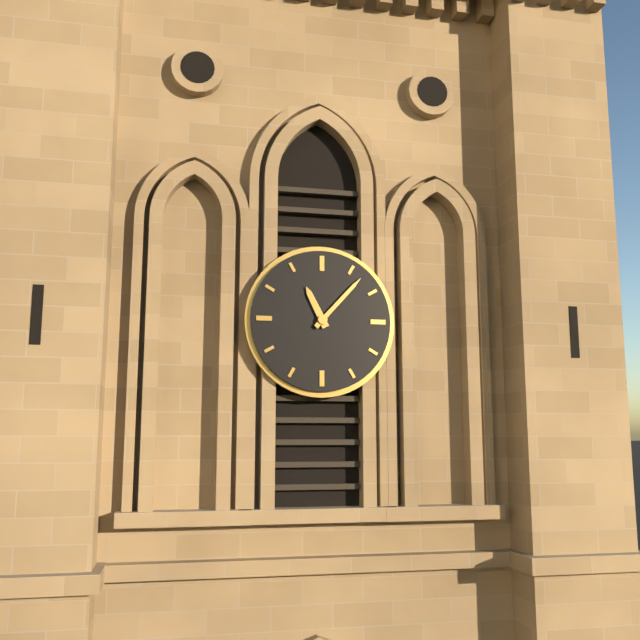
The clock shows {"hour": 11, "minute": 7}
